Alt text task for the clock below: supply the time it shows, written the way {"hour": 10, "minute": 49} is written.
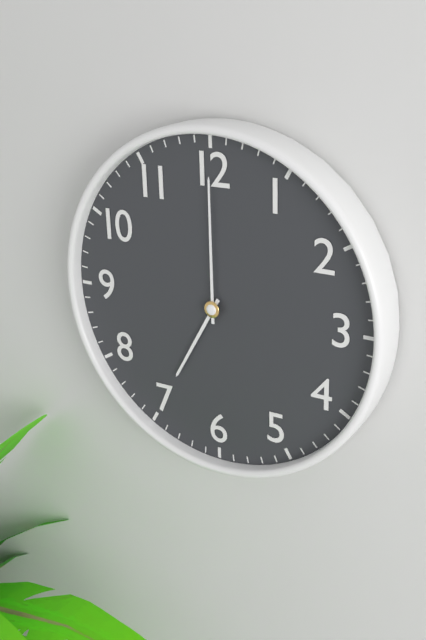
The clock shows {"hour": 7, "minute": 0}
